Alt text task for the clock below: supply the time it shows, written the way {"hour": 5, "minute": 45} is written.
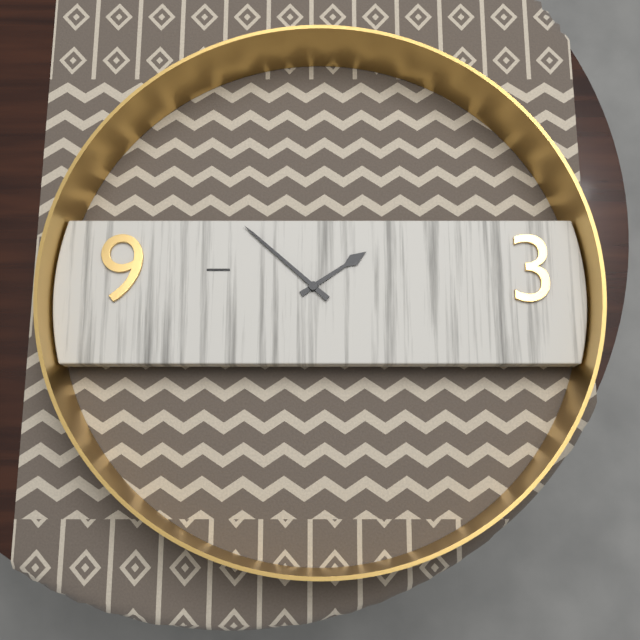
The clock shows {"hour": 1, "minute": 52}
